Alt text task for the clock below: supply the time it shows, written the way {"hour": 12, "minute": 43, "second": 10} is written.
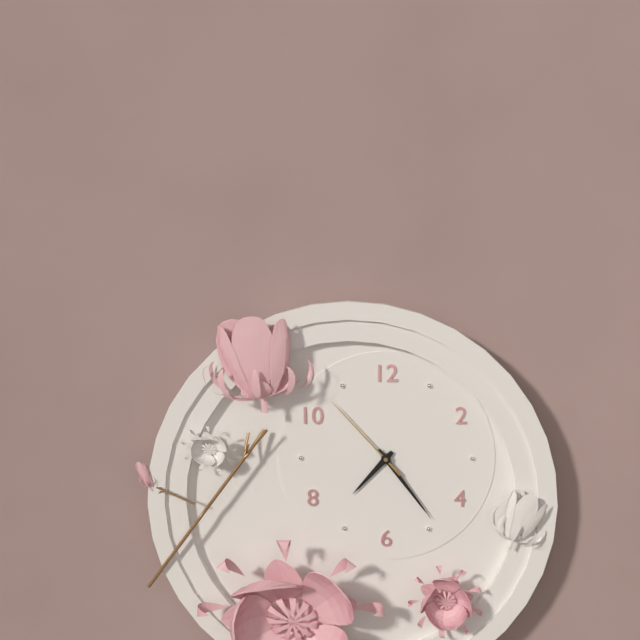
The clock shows {"hour": 7, "minute": 24, "second": 53}
